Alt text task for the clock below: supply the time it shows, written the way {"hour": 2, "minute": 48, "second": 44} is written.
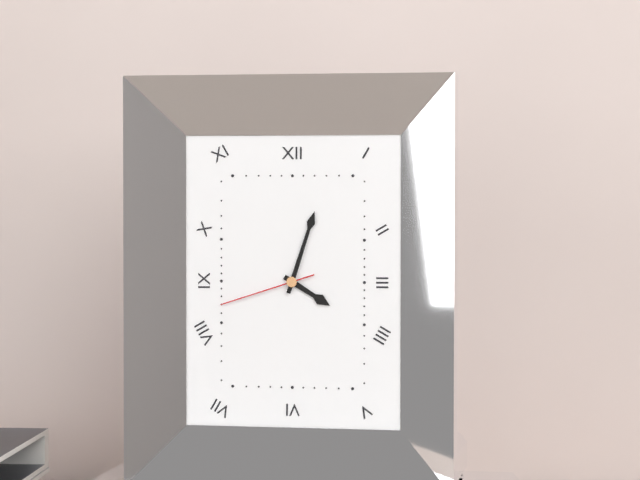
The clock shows {"hour": 4, "minute": 3, "second": 42}
